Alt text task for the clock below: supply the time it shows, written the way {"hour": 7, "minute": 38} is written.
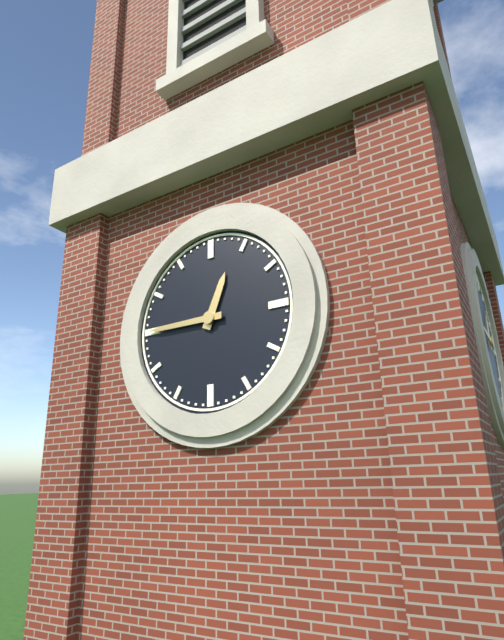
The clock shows {"hour": 12, "minute": 45}
